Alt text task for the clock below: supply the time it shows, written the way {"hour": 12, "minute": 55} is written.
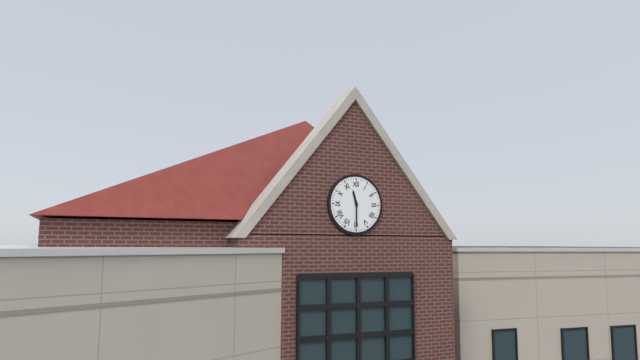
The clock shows {"hour": 11, "minute": 30}
